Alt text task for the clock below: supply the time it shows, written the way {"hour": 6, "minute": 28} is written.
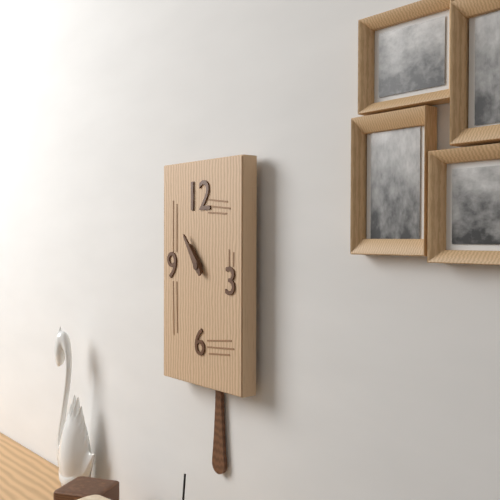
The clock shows {"hour": 10, "minute": 54}
